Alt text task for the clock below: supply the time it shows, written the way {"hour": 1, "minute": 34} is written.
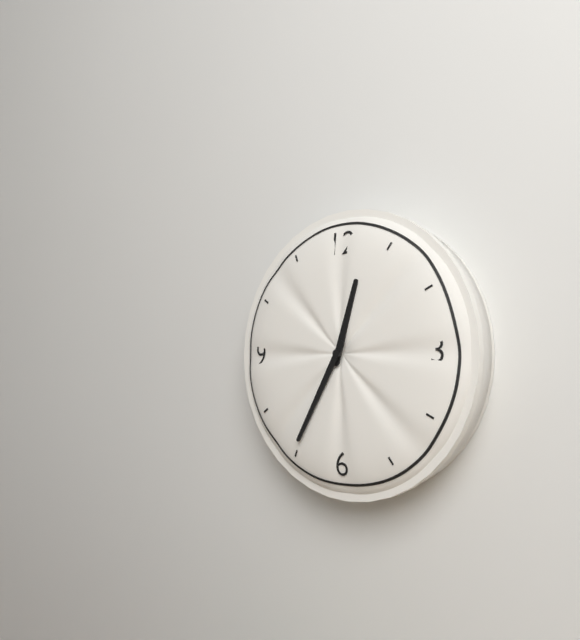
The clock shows {"hour": 12, "minute": 35}
